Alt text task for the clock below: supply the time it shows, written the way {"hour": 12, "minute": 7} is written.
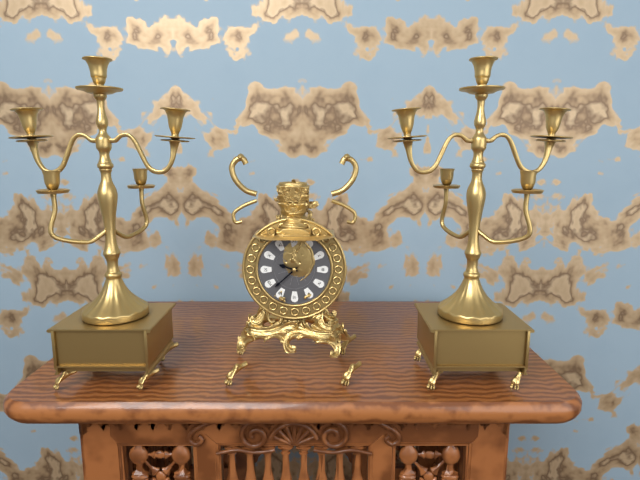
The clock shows {"hour": 9, "minute": 38}
